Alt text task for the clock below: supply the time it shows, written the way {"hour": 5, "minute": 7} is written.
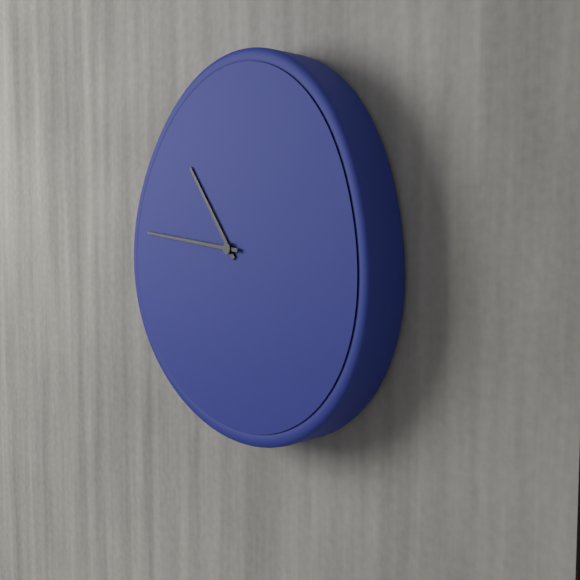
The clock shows {"hour": 10, "minute": 46}
